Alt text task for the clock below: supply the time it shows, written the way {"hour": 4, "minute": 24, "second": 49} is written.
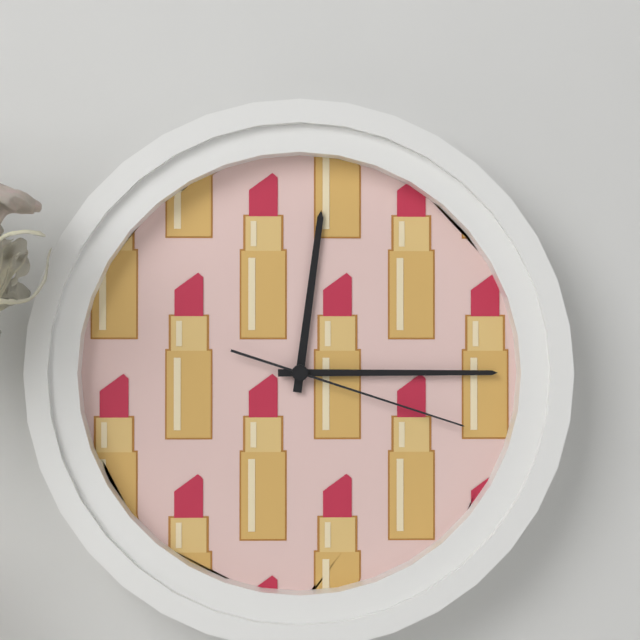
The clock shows {"hour": 12, "minute": 15, "second": 18}
